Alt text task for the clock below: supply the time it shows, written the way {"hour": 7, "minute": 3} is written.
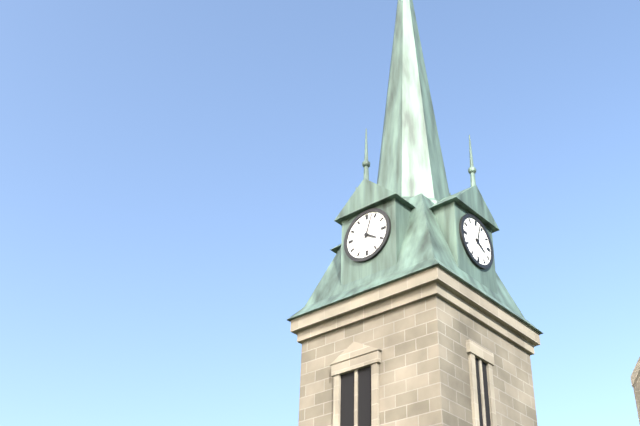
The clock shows {"hour": 4, "minute": 3}
